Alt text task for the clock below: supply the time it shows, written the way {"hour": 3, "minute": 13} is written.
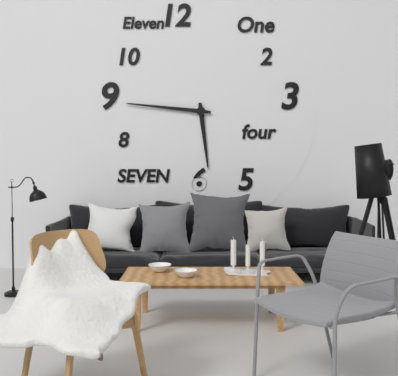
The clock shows {"hour": 5, "minute": 46}
